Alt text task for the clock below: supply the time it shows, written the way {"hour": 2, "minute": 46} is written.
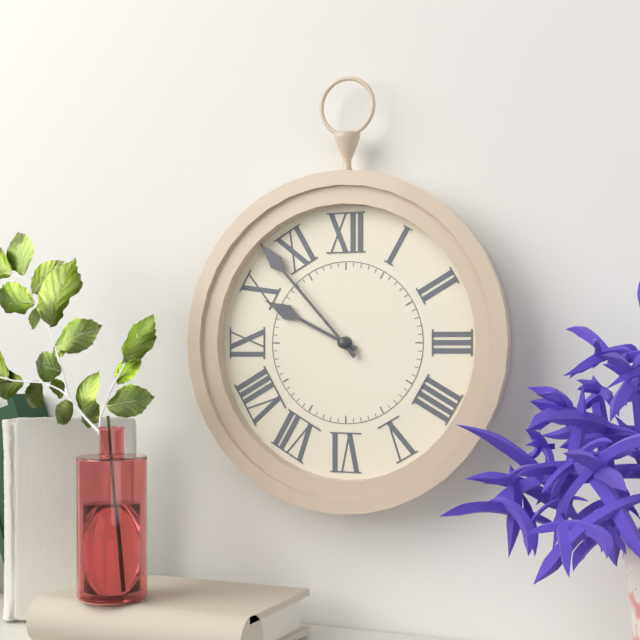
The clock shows {"hour": 9, "minute": 53}
